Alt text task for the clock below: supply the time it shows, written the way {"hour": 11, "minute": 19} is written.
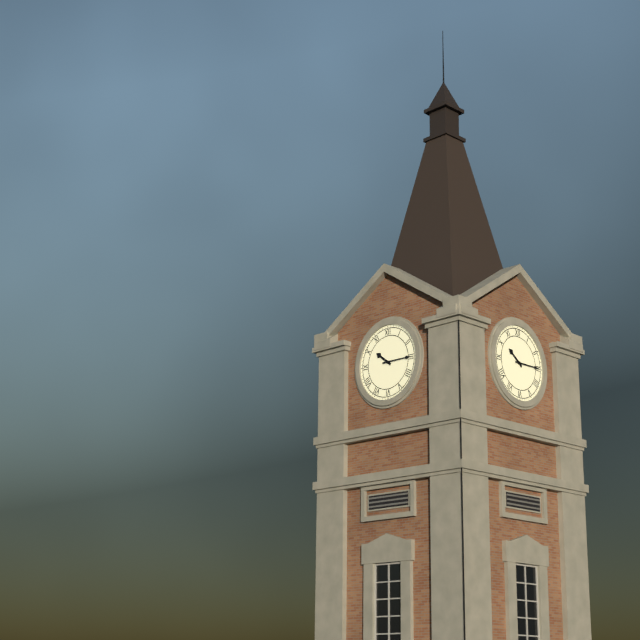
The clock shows {"hour": 10, "minute": 15}
